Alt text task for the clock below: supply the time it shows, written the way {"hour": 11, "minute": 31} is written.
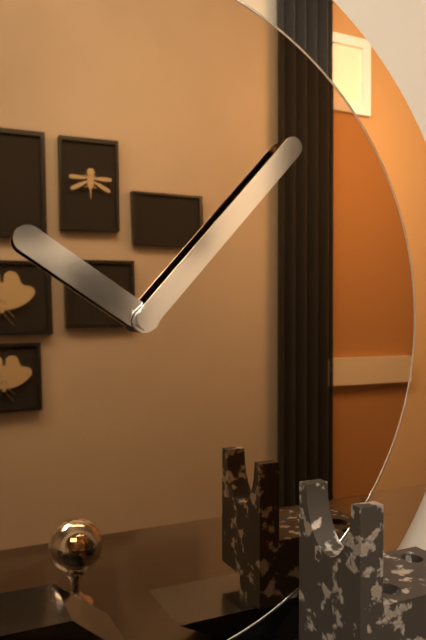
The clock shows {"hour": 10, "minute": 7}
